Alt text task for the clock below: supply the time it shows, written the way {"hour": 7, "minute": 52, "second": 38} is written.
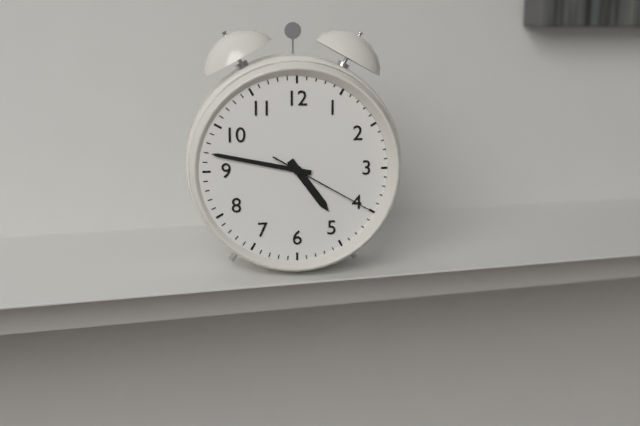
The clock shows {"hour": 4, "minute": 47, "second": 20}
